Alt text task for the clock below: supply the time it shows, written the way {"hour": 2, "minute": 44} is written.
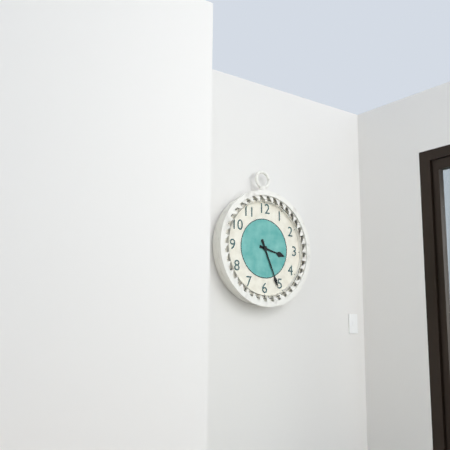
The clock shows {"hour": 3, "minute": 26}
